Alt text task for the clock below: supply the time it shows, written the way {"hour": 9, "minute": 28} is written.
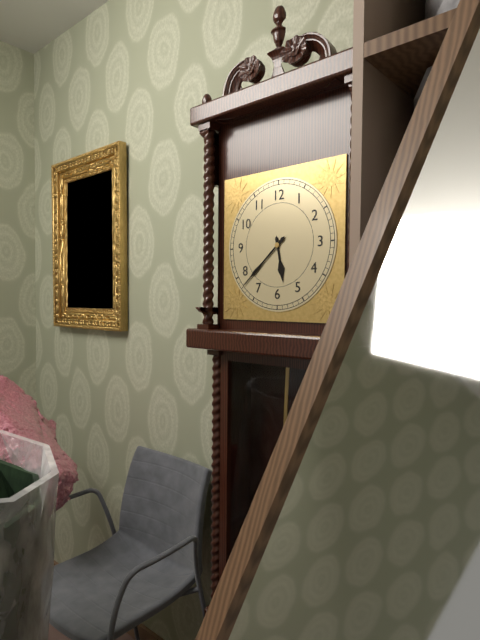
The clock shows {"hour": 5, "minute": 38}
